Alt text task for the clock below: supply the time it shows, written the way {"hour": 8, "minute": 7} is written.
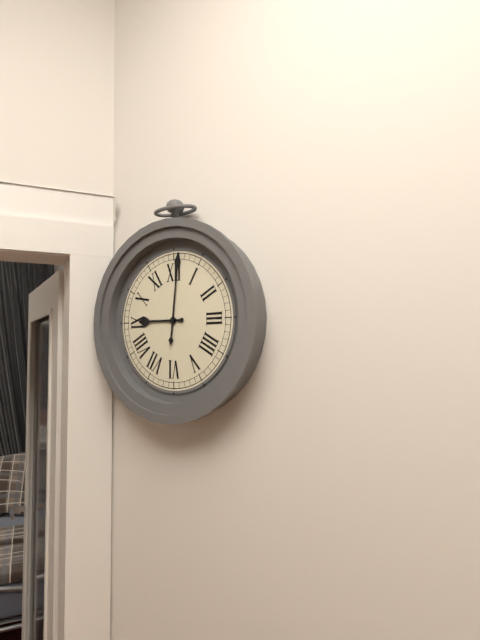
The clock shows {"hour": 9, "minute": 1}
